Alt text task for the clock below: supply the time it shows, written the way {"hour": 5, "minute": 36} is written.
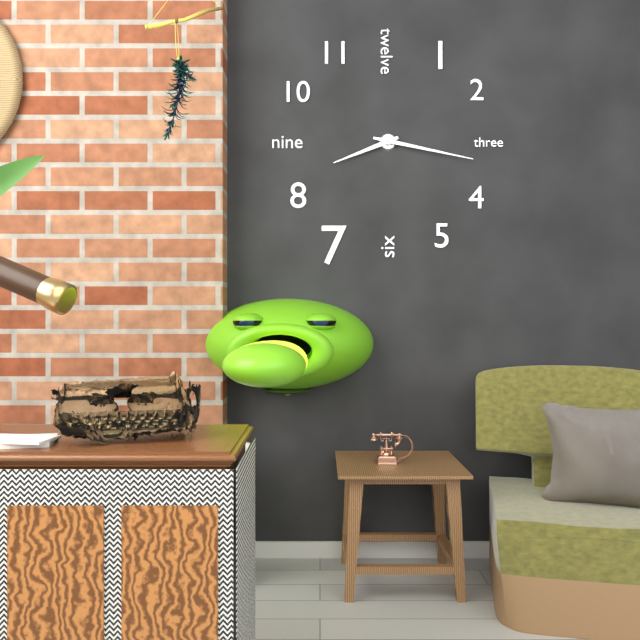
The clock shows {"hour": 8, "minute": 17}
